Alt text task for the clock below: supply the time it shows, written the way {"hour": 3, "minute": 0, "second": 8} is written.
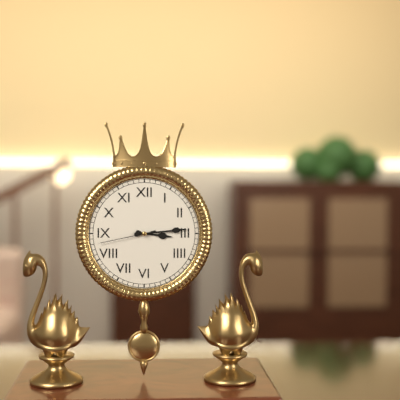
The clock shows {"hour": 3, "minute": 14, "second": 43}
